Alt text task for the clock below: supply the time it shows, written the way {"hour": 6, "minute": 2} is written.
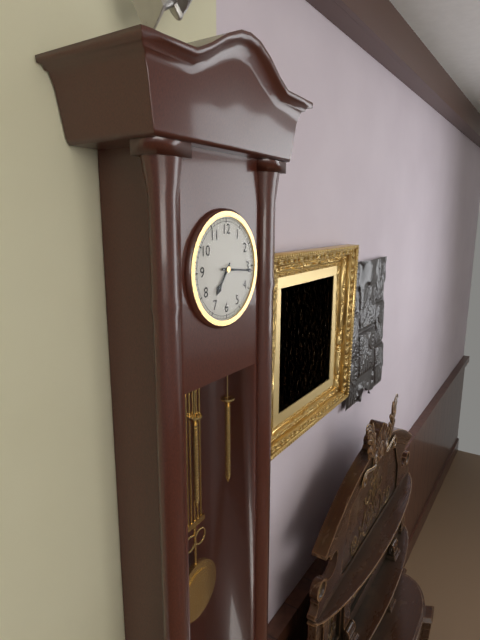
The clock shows {"hour": 7, "minute": 16}
